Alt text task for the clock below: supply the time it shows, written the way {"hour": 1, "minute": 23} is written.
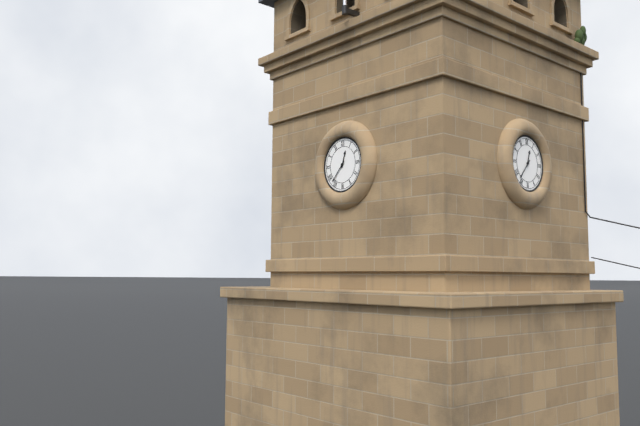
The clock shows {"hour": 12, "minute": 37}
